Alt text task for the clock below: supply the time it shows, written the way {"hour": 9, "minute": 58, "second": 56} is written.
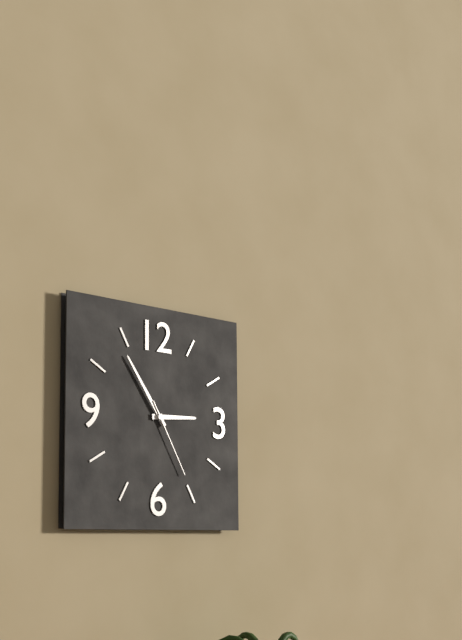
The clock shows {"hour": 2, "minute": 54, "second": 25}
